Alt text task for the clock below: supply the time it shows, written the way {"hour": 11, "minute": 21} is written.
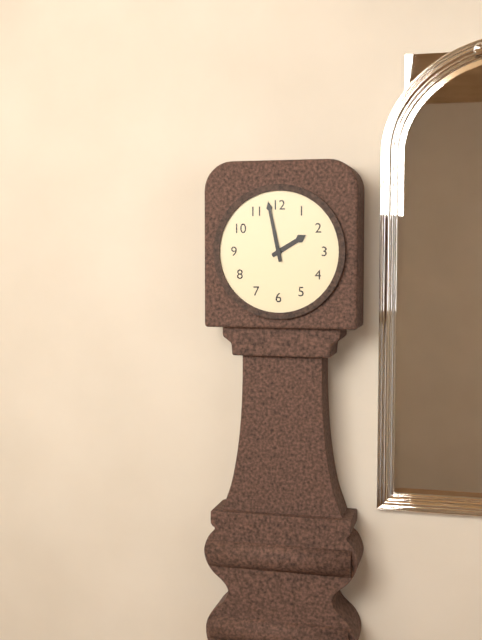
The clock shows {"hour": 1, "minute": 58}
